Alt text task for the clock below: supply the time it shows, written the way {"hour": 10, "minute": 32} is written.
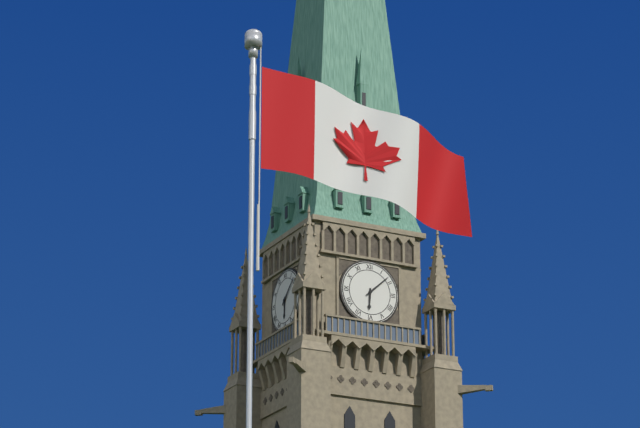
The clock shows {"hour": 6, "minute": 8}
